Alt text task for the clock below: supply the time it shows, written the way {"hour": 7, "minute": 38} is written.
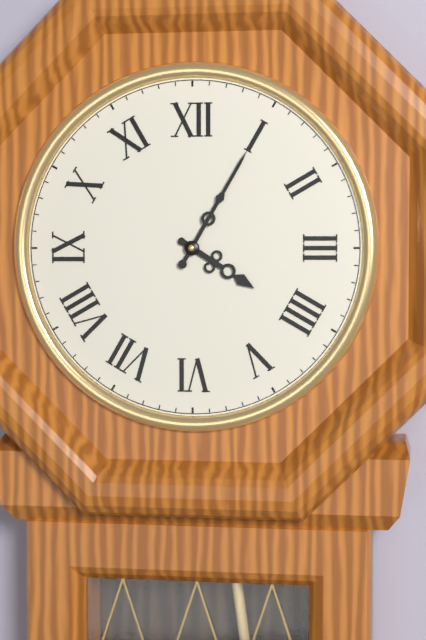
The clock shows {"hour": 4, "minute": 5}
